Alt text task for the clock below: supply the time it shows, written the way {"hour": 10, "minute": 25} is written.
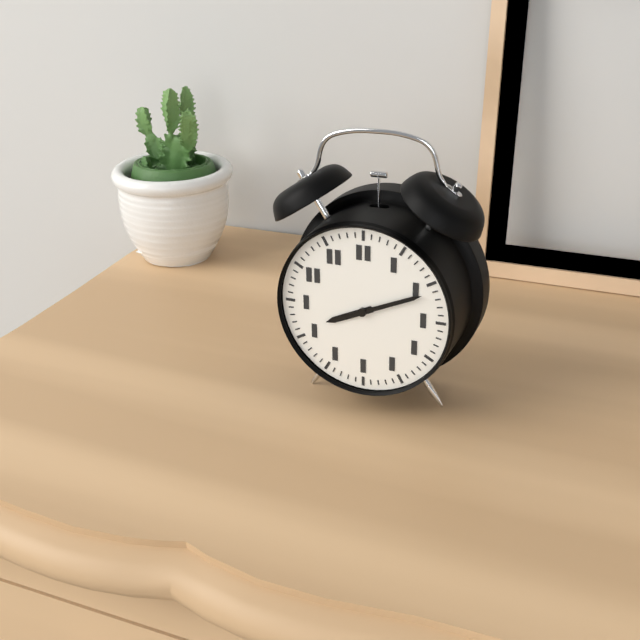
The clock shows {"hour": 8, "minute": 11}
